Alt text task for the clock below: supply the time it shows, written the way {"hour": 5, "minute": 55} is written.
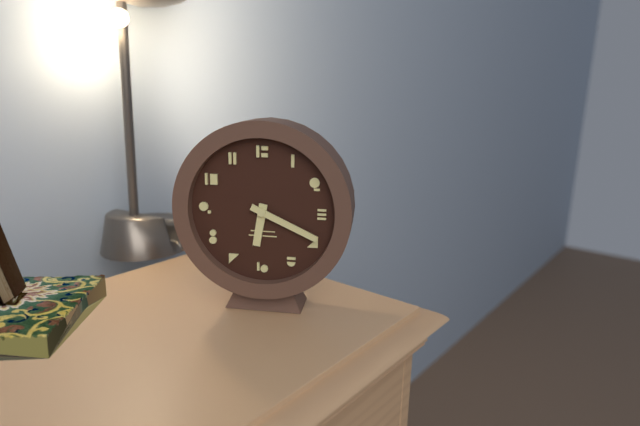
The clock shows {"hour": 6, "minute": 19}
